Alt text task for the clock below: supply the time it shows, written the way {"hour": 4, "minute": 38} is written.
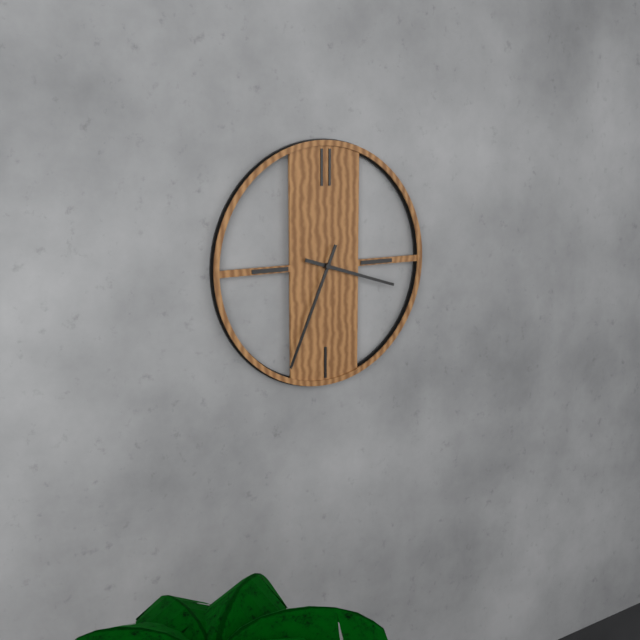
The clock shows {"hour": 3, "minute": 34}
